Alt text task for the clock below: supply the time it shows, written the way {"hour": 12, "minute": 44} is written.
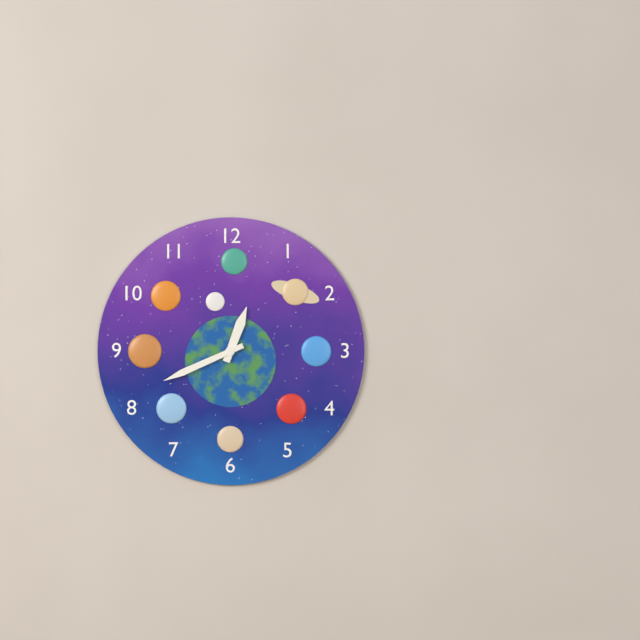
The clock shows {"hour": 12, "minute": 41}
